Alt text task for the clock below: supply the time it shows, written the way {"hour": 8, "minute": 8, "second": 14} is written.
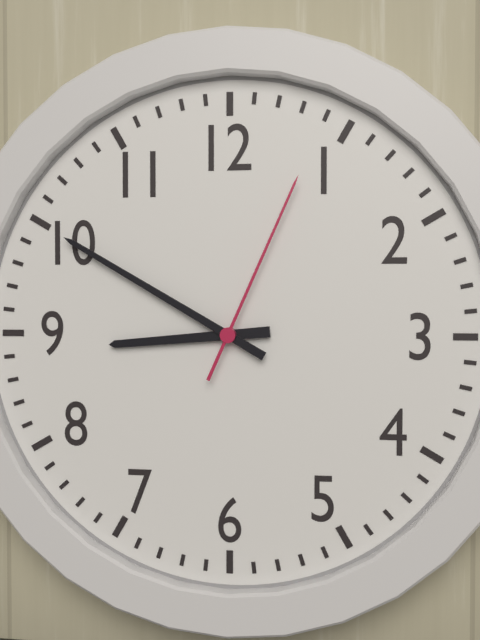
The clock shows {"hour": 8, "minute": 50, "second": 4}
